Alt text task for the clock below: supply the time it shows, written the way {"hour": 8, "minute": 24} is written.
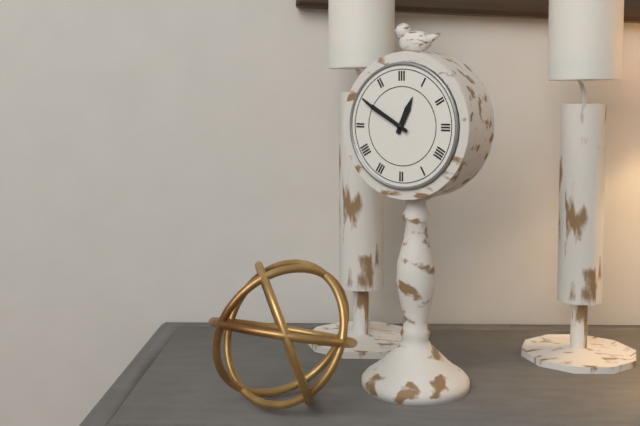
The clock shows {"hour": 12, "minute": 50}
